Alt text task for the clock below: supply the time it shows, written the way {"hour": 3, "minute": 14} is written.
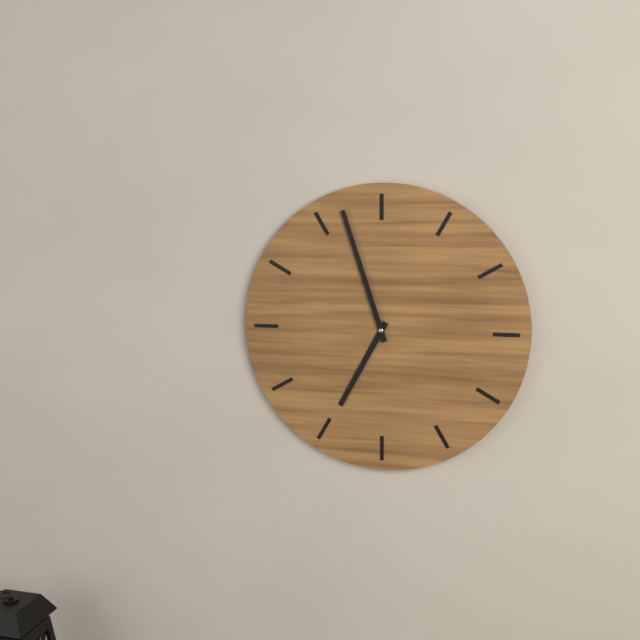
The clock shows {"hour": 6, "minute": 57}
